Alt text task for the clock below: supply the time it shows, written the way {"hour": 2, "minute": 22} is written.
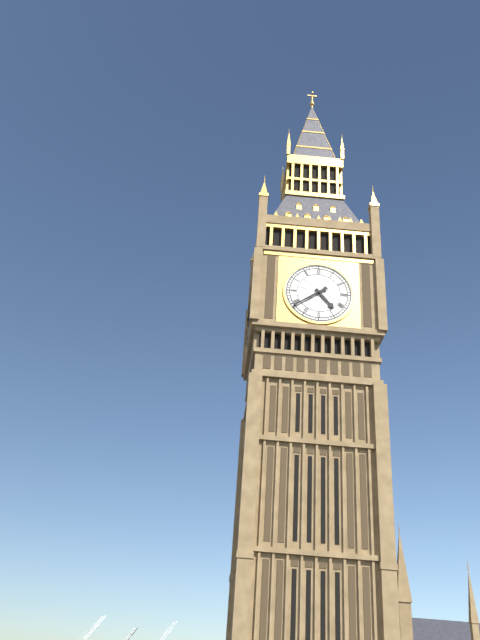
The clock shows {"hour": 4, "minute": 39}
